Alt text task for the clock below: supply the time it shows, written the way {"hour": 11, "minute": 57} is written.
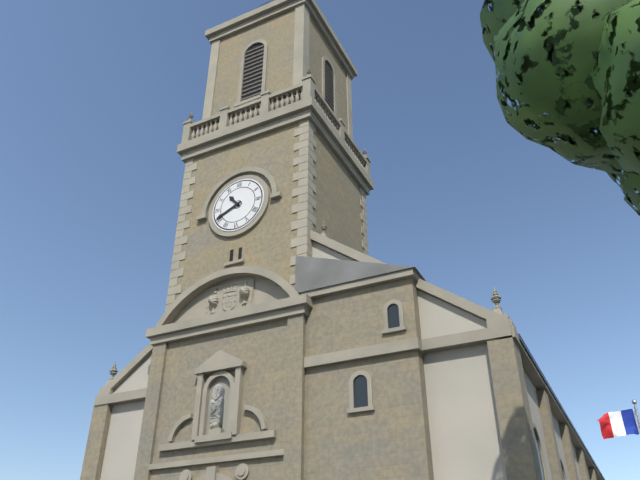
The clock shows {"hour": 10, "minute": 41}
